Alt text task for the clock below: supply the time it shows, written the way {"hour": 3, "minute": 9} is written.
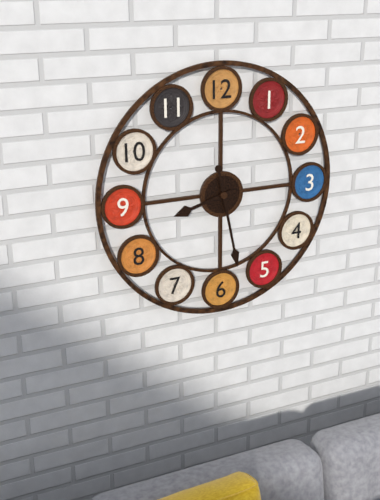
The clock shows {"hour": 8, "minute": 28}
